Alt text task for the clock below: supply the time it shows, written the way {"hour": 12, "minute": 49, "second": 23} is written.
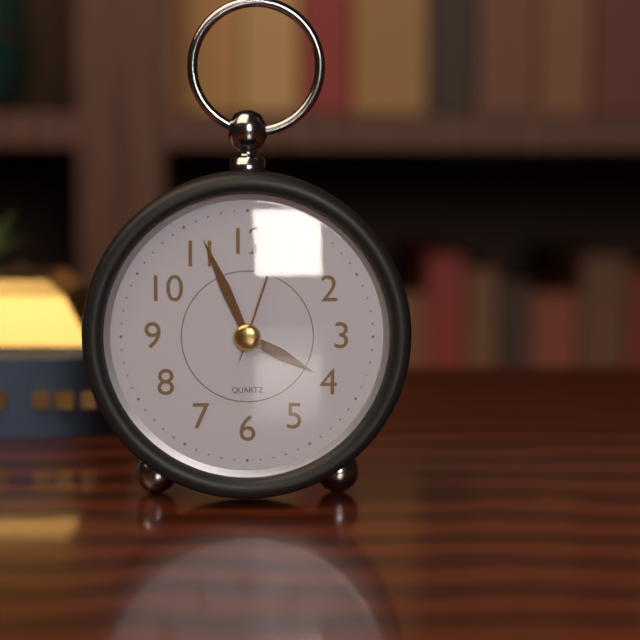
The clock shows {"hour": 3, "minute": 56, "second": 3}
